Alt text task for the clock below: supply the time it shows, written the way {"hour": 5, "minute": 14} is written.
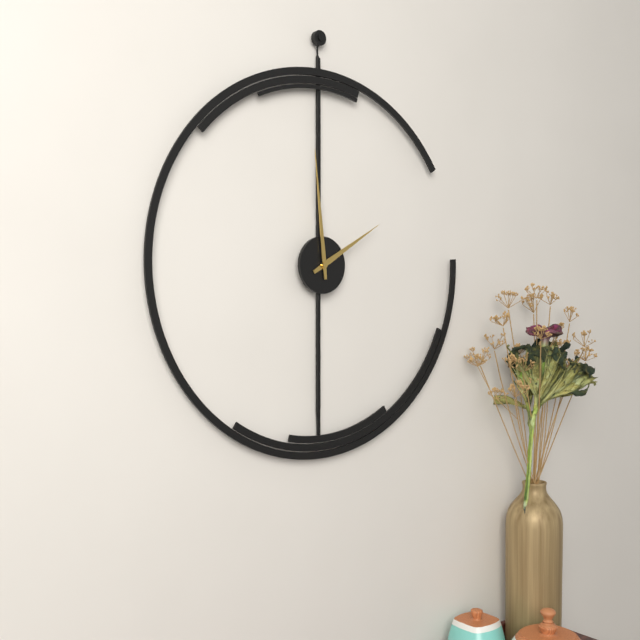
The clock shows {"hour": 1, "minute": 59}
